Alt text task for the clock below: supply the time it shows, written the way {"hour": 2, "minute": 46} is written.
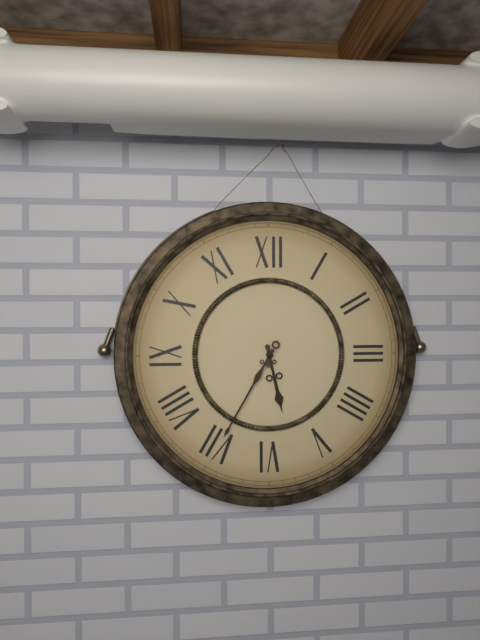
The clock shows {"hour": 5, "minute": 35}
